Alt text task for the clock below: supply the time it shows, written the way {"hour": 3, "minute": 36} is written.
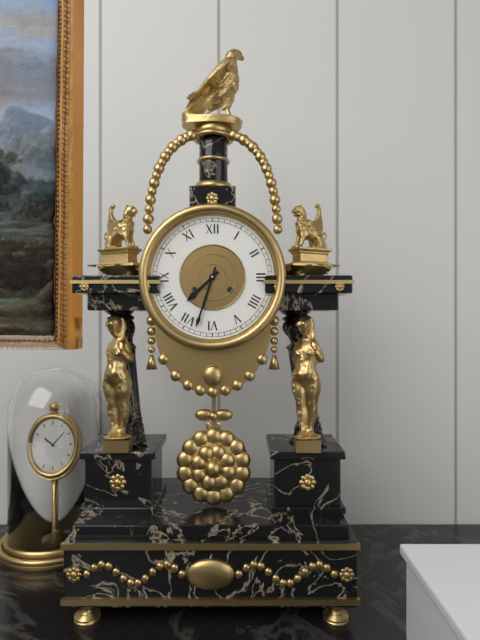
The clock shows {"hour": 7, "minute": 33}
